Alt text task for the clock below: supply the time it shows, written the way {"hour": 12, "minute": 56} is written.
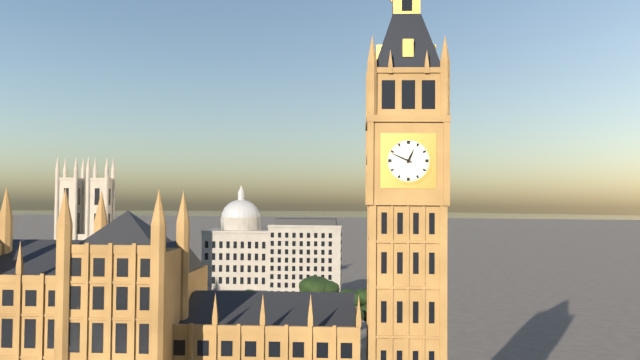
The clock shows {"hour": 12, "minute": 49}
